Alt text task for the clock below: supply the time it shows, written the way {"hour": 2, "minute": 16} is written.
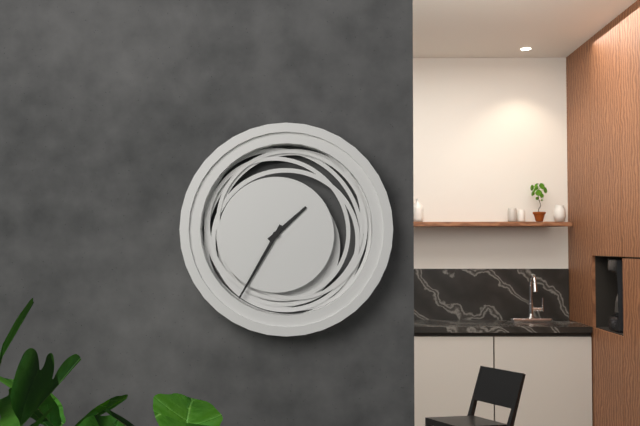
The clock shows {"hour": 1, "minute": 35}
